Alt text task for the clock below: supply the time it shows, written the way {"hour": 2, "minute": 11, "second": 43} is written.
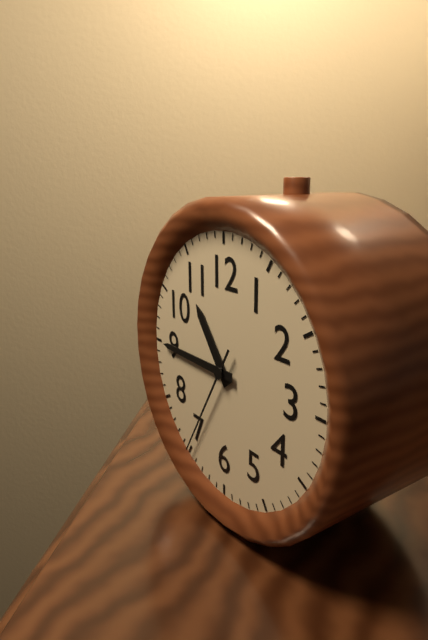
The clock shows {"hour": 10, "minute": 45, "second": 35}
